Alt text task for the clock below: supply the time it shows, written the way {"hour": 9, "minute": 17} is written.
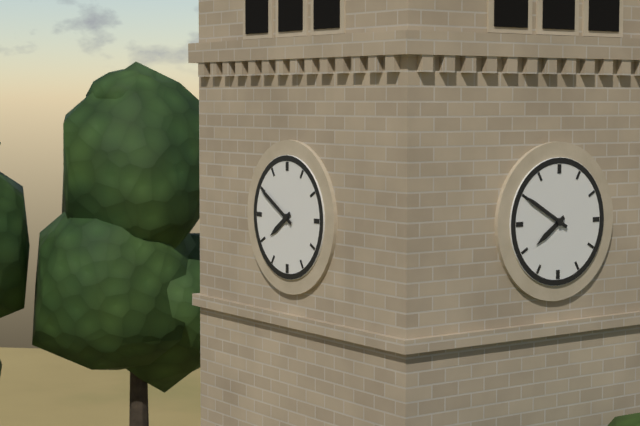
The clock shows {"hour": 7, "minute": 50}
